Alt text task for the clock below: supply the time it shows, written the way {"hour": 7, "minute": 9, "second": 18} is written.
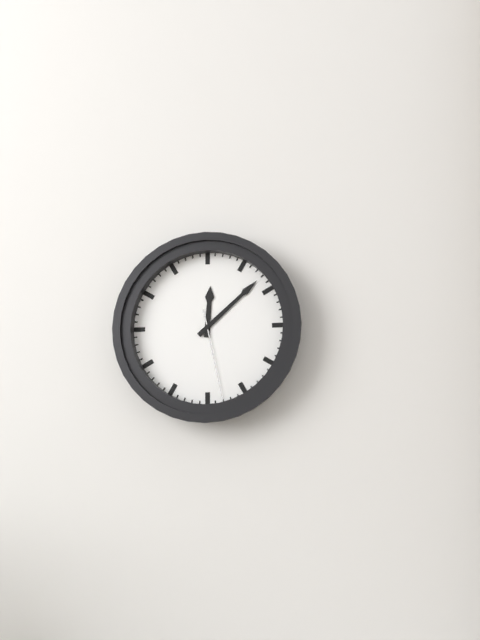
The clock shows {"hour": 12, "minute": 8, "second": 28}
